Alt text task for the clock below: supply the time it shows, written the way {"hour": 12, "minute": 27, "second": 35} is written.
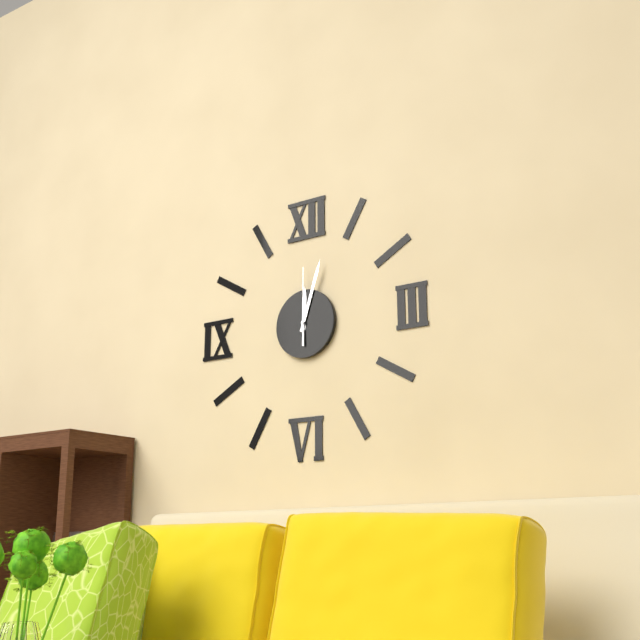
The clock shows {"hour": 12, "minute": 3, "second": 0}
